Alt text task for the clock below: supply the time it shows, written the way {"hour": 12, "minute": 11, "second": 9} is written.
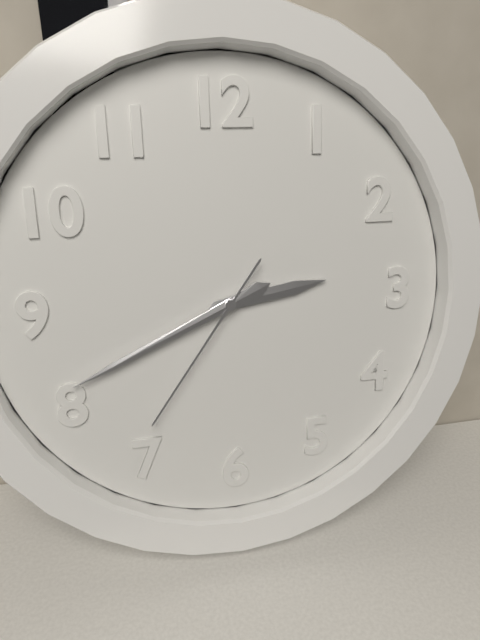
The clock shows {"hour": 2, "minute": 41, "second": 36}
